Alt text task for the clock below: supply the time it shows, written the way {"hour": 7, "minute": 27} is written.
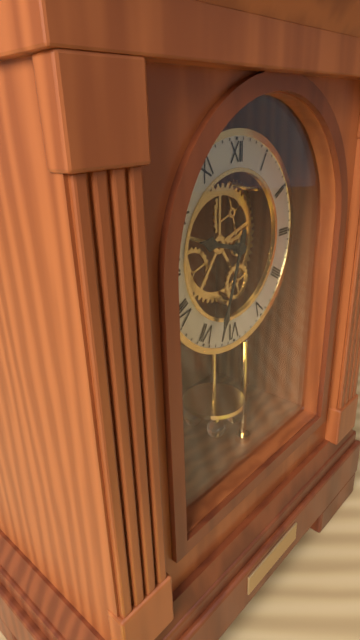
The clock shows {"hour": 9, "minute": 33}
